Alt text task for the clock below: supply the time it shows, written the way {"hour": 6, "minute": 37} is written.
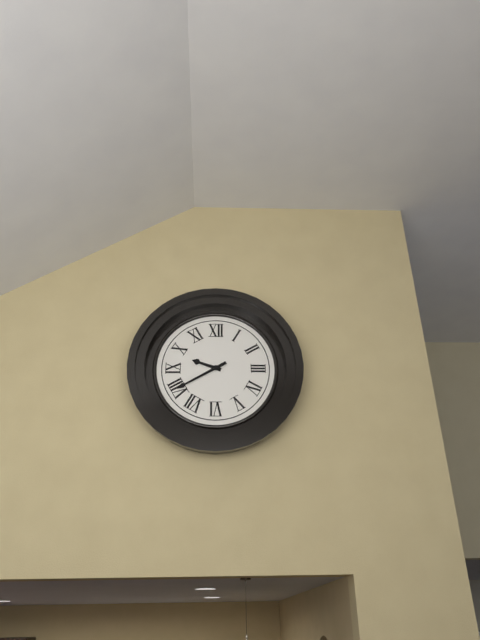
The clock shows {"hour": 9, "minute": 40}
